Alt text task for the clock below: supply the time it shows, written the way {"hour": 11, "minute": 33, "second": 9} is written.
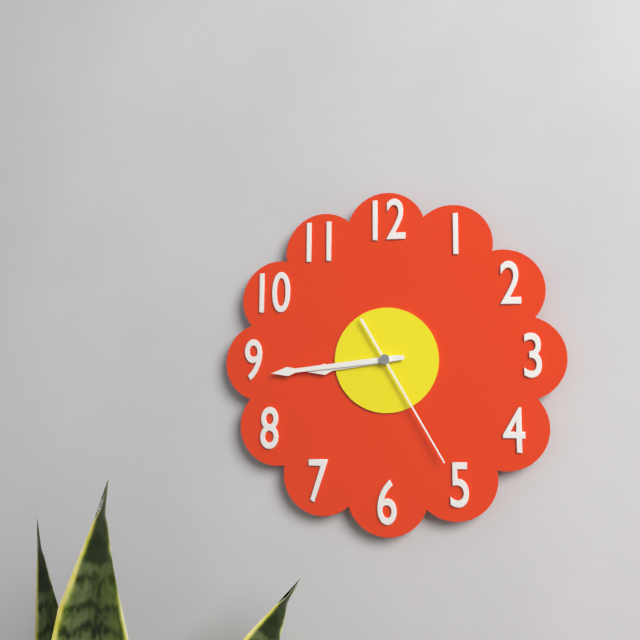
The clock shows {"hour": 8, "minute": 44, "second": 25}
